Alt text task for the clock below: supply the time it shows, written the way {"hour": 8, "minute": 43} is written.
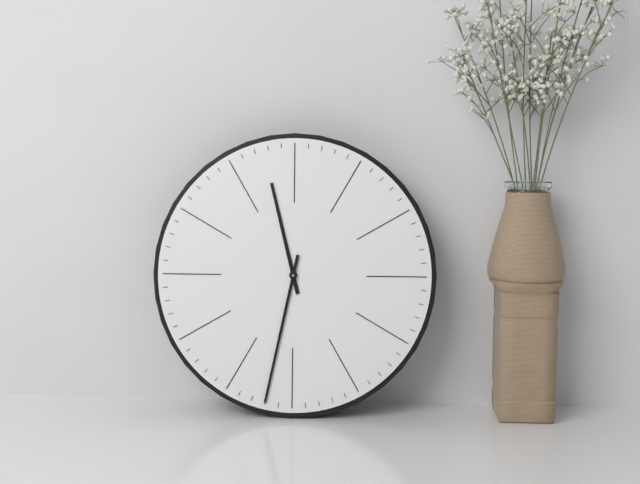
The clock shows {"hour": 11, "minute": 32}
